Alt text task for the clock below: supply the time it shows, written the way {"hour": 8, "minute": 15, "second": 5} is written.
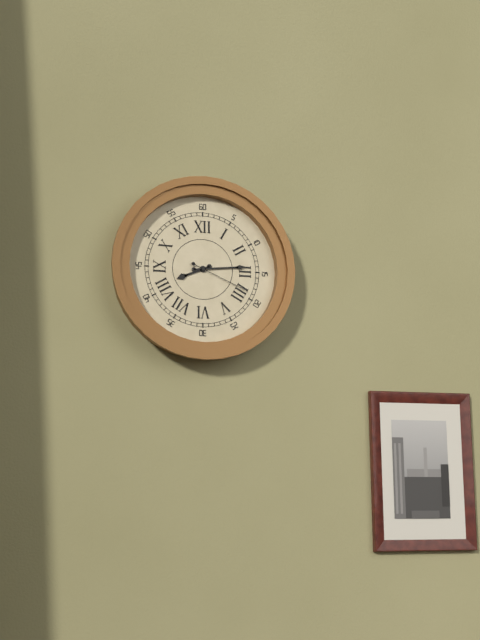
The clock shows {"hour": 8, "minute": 14, "second": 19}
